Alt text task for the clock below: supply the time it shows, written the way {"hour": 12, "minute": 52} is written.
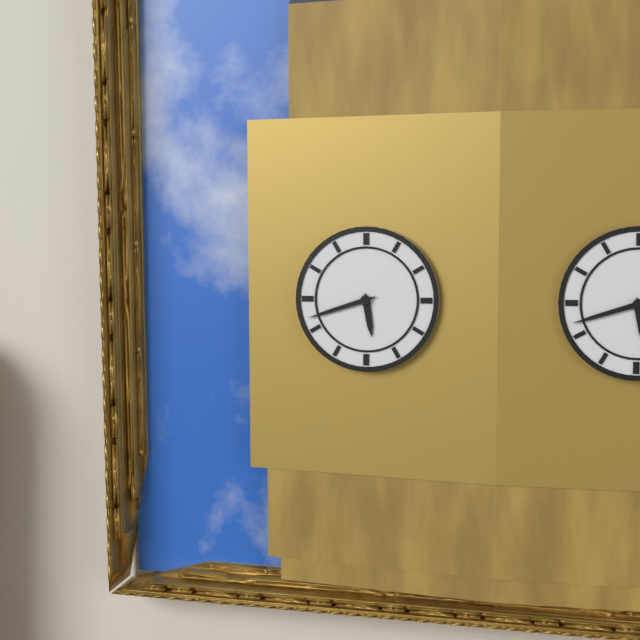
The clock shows {"hour": 5, "minute": 42}
